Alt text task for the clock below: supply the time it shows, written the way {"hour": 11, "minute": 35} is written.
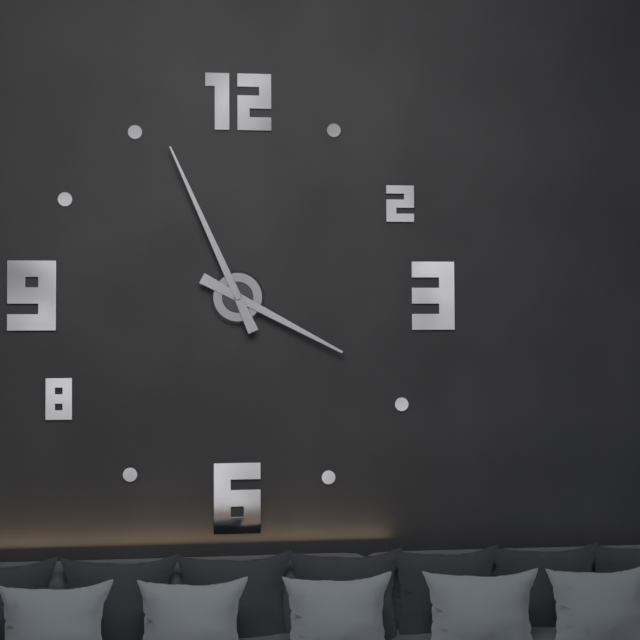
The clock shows {"hour": 3, "minute": 56}
